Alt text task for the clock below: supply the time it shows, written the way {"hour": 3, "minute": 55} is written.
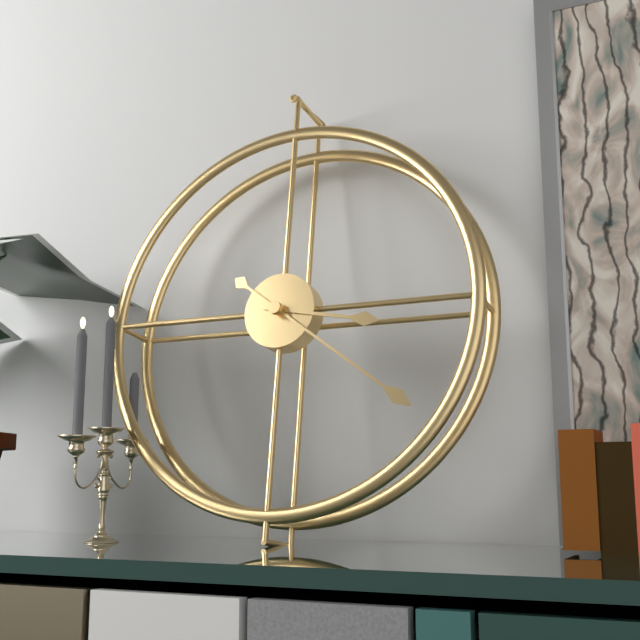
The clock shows {"hour": 3, "minute": 21}
